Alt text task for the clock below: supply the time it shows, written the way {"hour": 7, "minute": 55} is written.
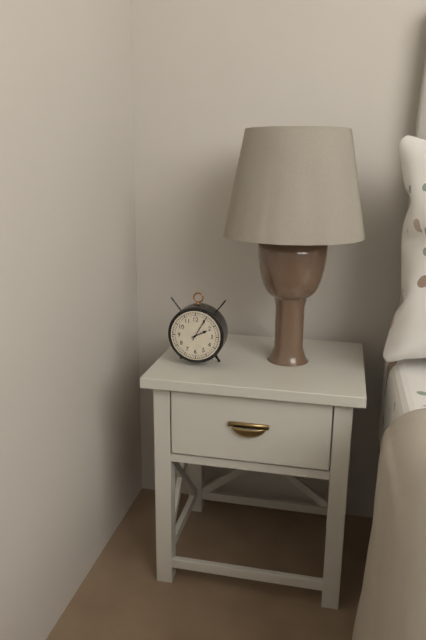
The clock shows {"hour": 2, "minute": 5}
